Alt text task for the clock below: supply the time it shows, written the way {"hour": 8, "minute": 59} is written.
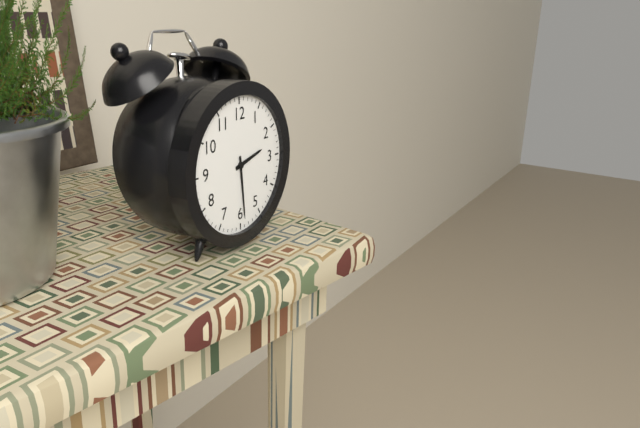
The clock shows {"hour": 2, "minute": 29}
